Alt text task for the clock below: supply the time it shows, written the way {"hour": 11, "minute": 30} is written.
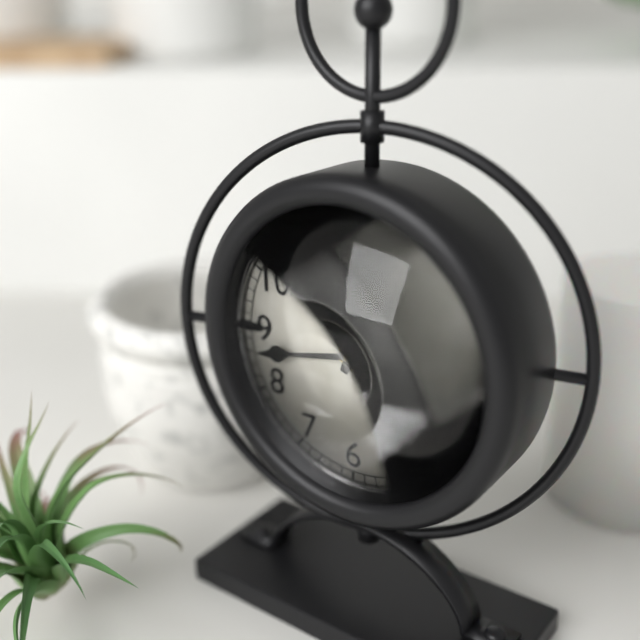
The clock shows {"hour": 12, "minute": 43}
